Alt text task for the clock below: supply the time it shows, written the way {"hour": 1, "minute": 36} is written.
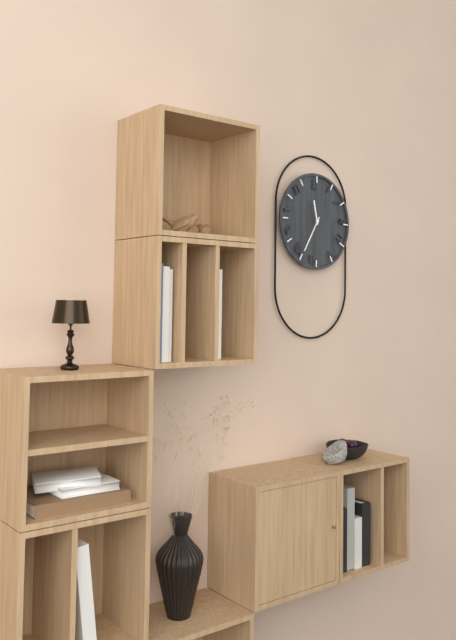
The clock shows {"hour": 11, "minute": 35}
